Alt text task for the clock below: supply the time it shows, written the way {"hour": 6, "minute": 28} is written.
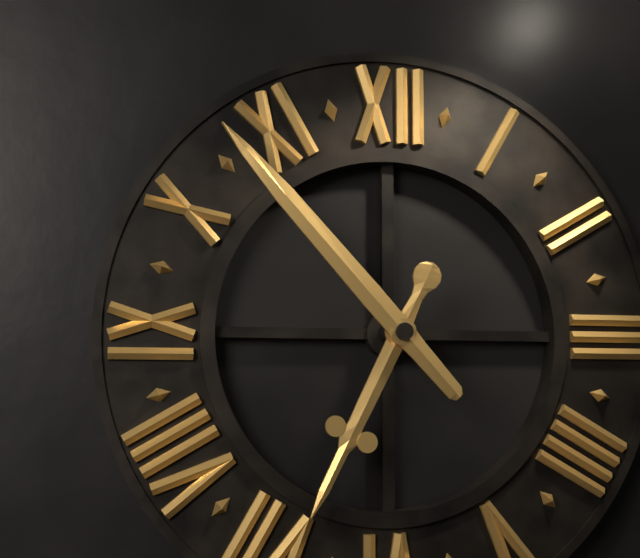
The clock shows {"hour": 6, "minute": 53}
